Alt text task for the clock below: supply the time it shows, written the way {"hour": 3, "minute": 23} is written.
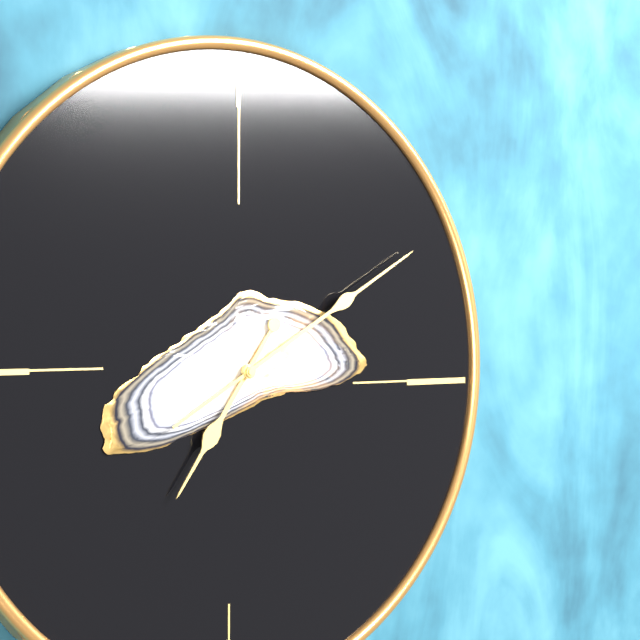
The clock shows {"hour": 7, "minute": 10}
